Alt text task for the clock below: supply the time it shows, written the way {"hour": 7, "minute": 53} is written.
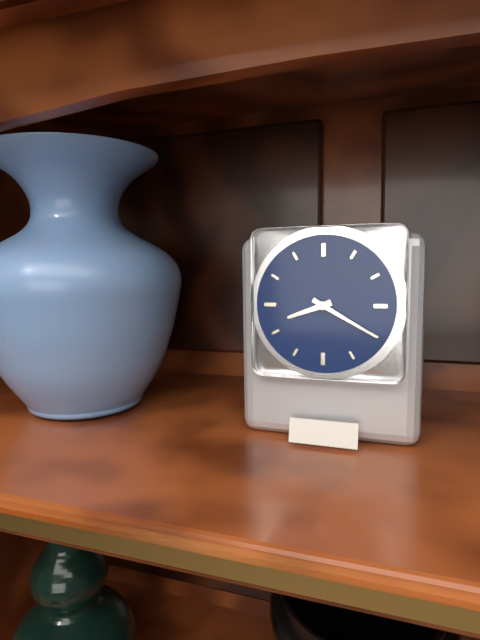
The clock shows {"hour": 8, "minute": 20}
